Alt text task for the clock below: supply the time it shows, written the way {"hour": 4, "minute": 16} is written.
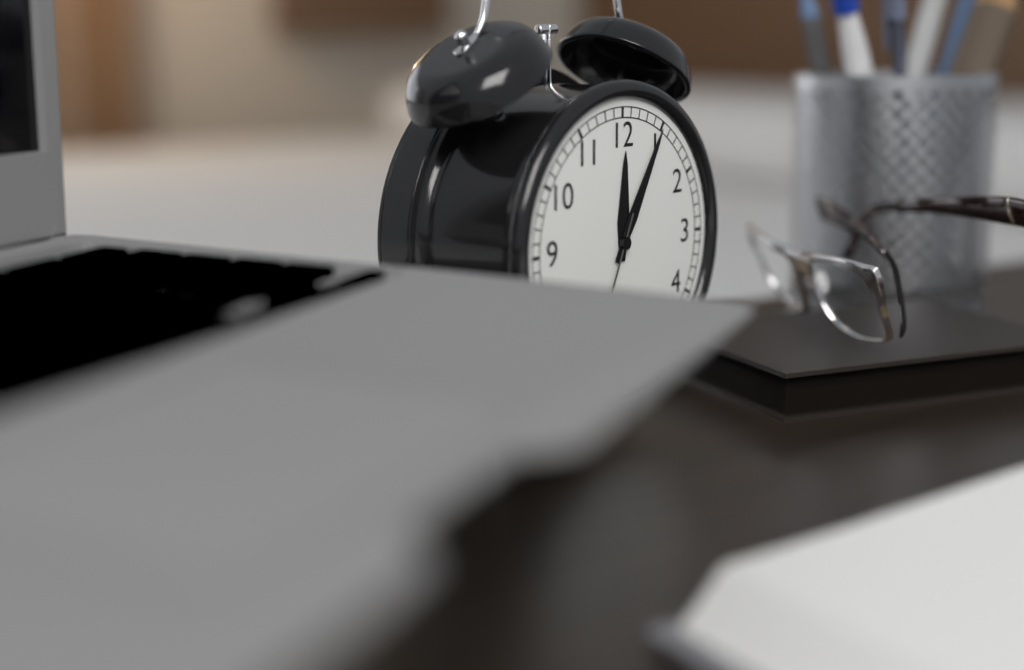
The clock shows {"hour": 12, "minute": 5}
